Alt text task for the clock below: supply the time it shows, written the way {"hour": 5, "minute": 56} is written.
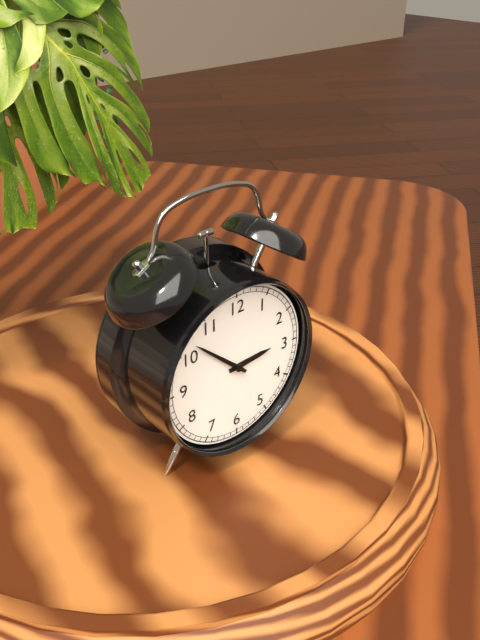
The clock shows {"hour": 2, "minute": 52}
